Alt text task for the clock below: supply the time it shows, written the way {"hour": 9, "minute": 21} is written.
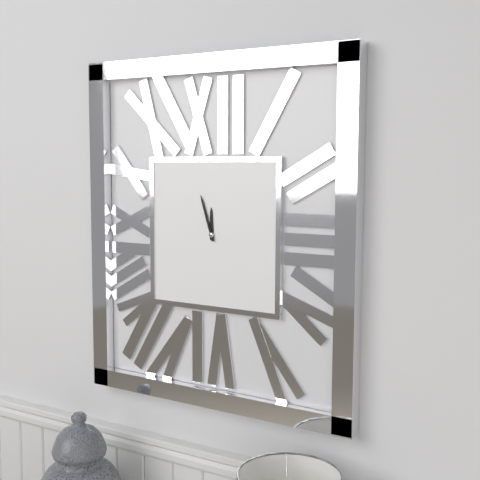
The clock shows {"hour": 11, "minute": 57}
